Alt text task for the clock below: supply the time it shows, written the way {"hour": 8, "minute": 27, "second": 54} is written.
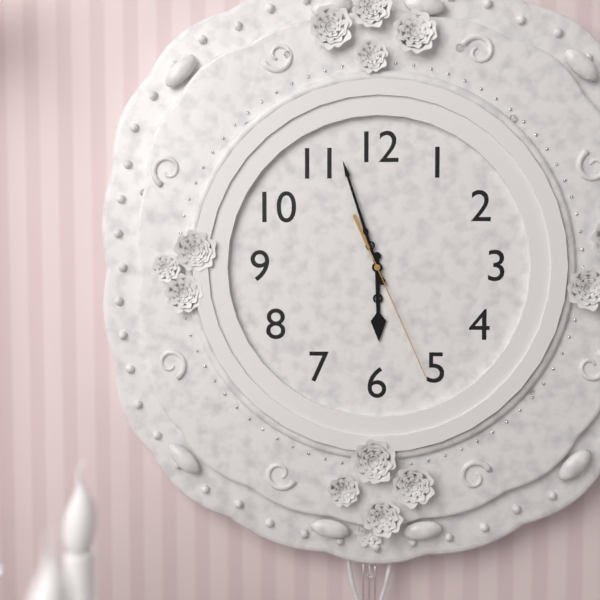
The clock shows {"hour": 5, "minute": 57, "second": 26}
